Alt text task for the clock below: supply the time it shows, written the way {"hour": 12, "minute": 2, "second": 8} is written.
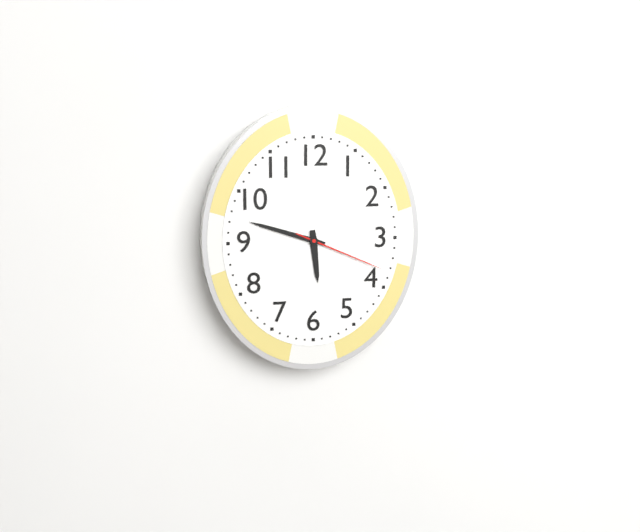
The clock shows {"hour": 5, "minute": 48, "second": 19}
